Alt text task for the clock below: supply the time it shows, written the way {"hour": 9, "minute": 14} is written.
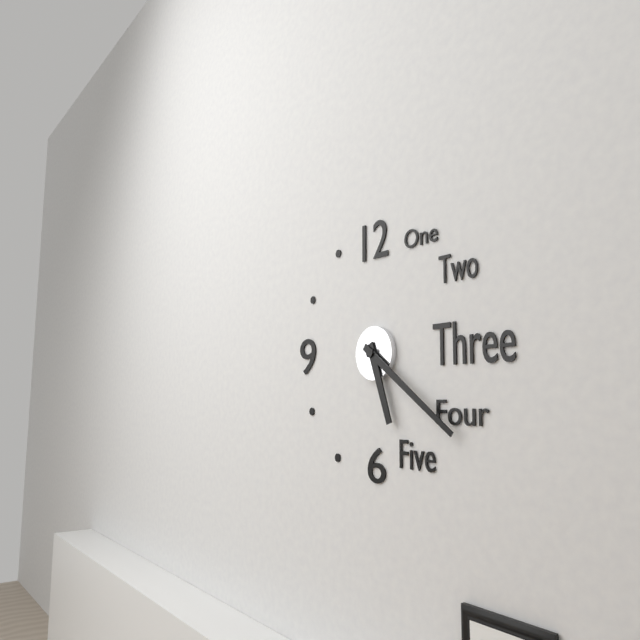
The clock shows {"hour": 5, "minute": 21}
